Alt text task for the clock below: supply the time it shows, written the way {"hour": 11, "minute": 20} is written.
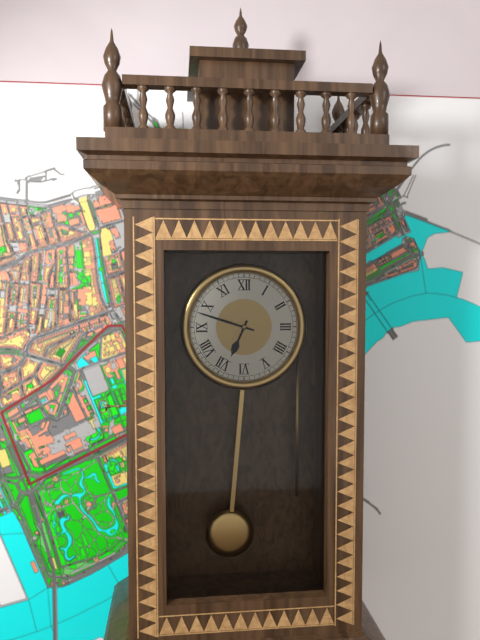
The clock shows {"hour": 6, "minute": 48}
